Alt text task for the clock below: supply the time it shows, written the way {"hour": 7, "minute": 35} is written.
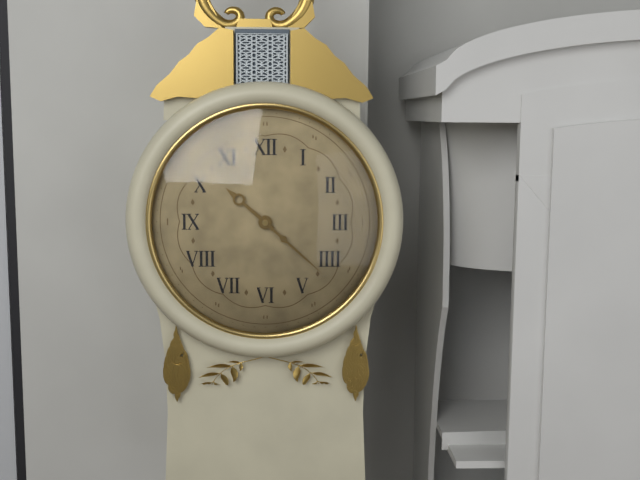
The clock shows {"hour": 10, "minute": 22}
